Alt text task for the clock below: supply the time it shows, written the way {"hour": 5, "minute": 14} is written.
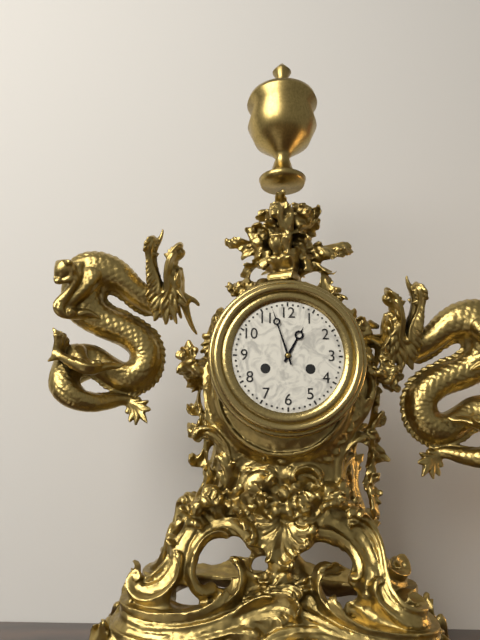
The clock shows {"hour": 12, "minute": 57}
